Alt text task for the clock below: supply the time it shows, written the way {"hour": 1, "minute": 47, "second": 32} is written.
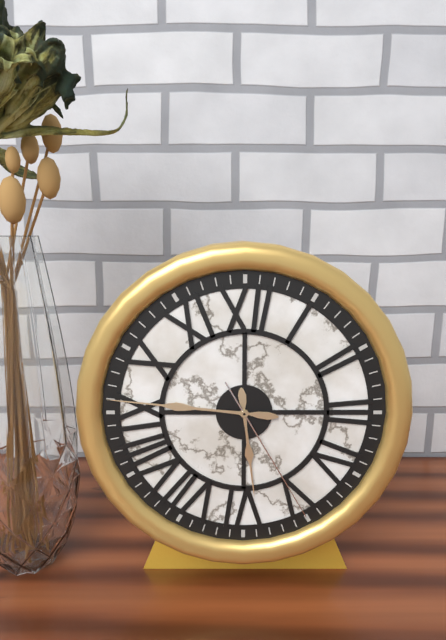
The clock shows {"hour": 5, "minute": 46, "second": 25}
